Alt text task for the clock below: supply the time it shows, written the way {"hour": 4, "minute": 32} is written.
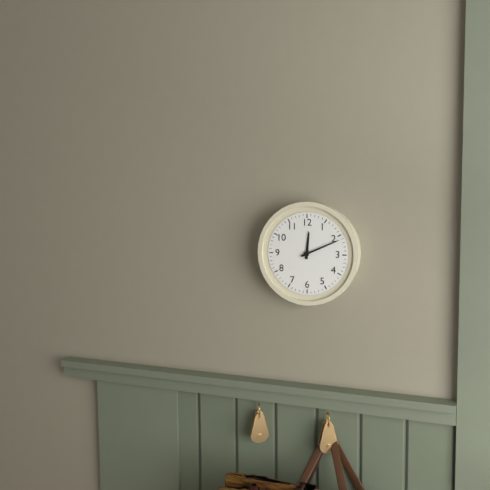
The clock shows {"hour": 12, "minute": 11}
